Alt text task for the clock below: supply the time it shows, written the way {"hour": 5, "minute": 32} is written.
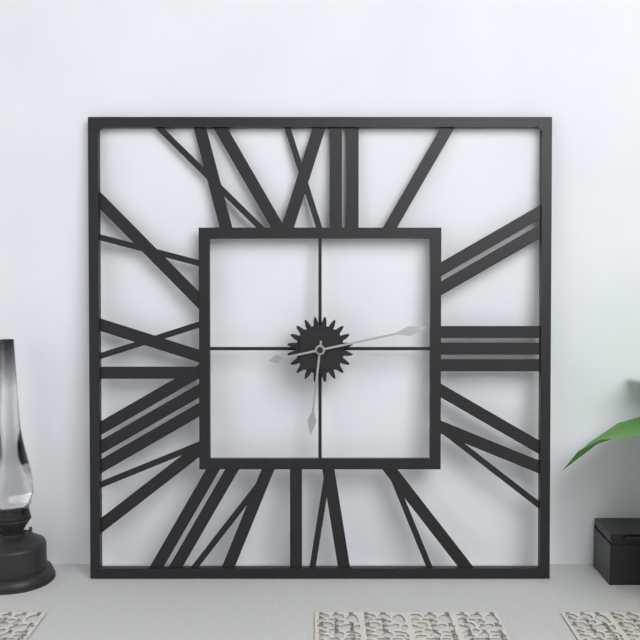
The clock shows {"hour": 6, "minute": 13}
